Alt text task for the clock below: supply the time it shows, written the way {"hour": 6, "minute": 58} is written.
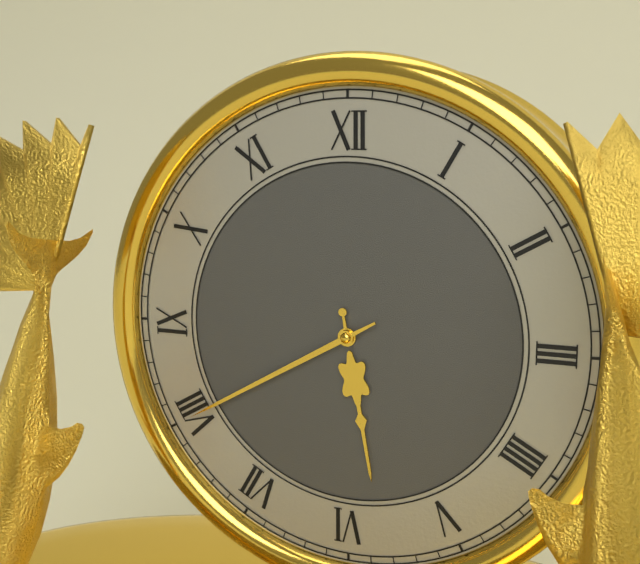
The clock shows {"hour": 5, "minute": 40}
